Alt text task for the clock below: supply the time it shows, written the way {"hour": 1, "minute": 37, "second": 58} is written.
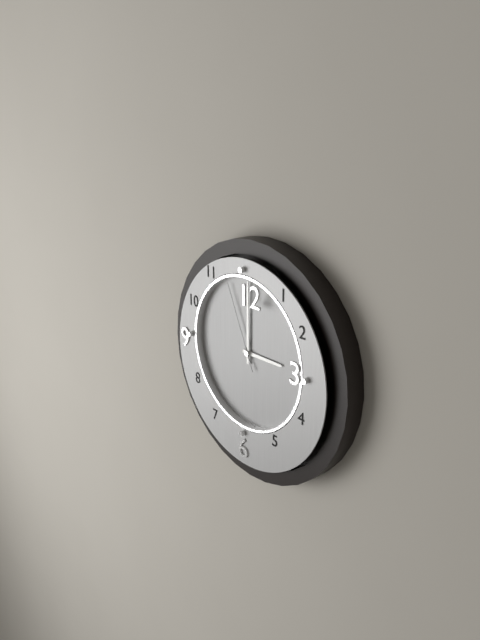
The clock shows {"hour": 3, "minute": 0, "second": 56}
